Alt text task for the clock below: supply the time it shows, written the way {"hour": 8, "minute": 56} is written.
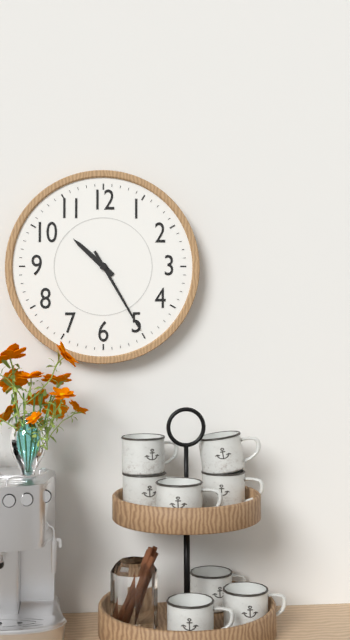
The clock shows {"hour": 10, "minute": 25}
